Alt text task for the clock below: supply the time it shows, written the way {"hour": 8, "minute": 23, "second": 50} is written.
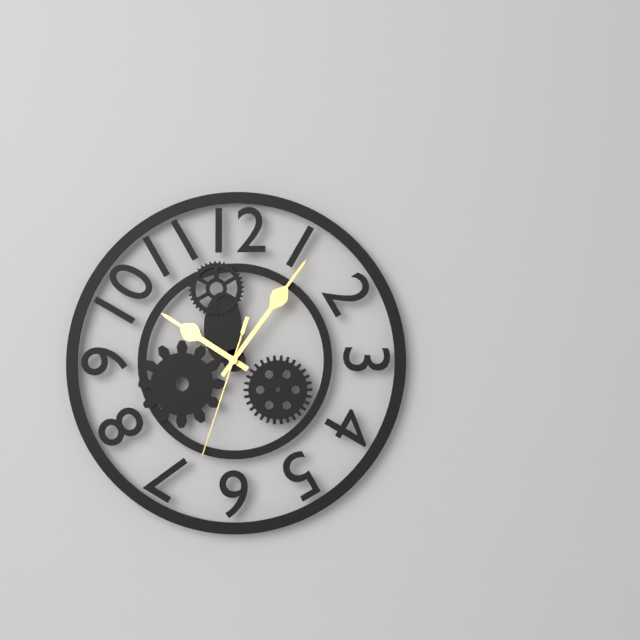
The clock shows {"hour": 10, "minute": 6, "second": 33}
